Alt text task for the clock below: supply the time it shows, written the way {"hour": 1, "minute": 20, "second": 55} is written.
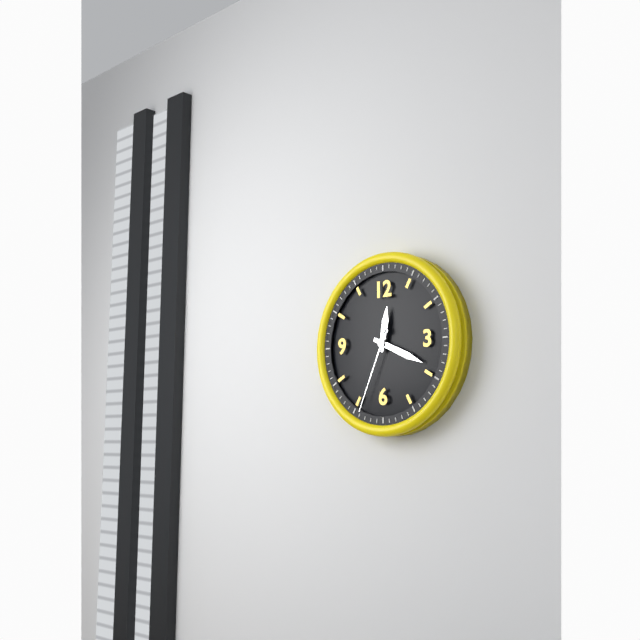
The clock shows {"hour": 12, "minute": 19, "second": 34}
